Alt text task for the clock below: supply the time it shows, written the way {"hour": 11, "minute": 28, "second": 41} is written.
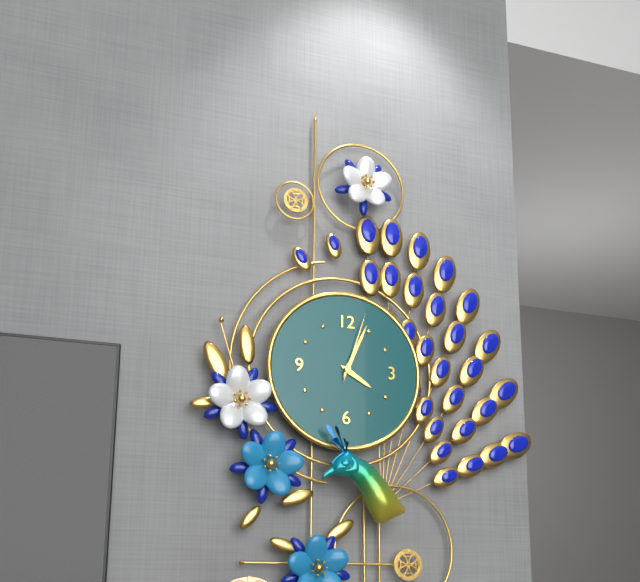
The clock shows {"hour": 4, "minute": 4, "second": 3}
